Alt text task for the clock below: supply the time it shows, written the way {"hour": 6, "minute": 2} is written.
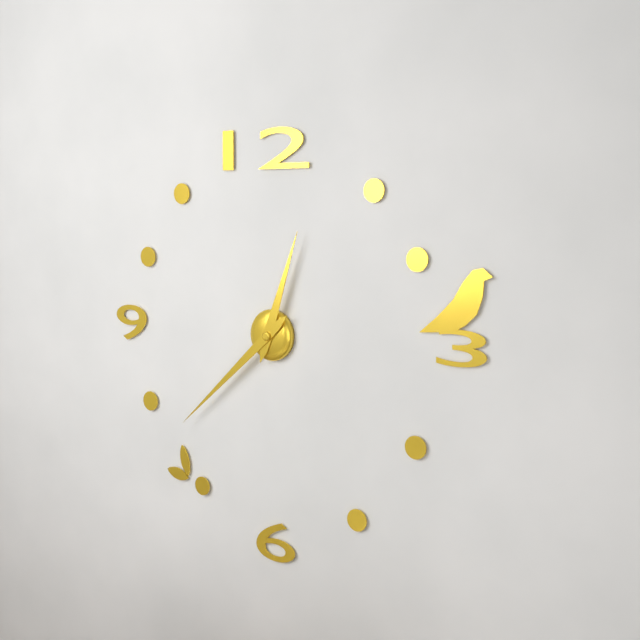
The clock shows {"hour": 12, "minute": 38}
